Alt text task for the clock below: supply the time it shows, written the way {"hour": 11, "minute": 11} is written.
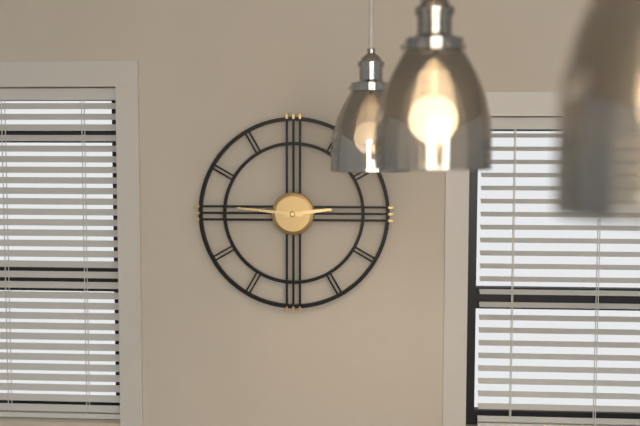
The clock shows {"hour": 2, "minute": 46}
